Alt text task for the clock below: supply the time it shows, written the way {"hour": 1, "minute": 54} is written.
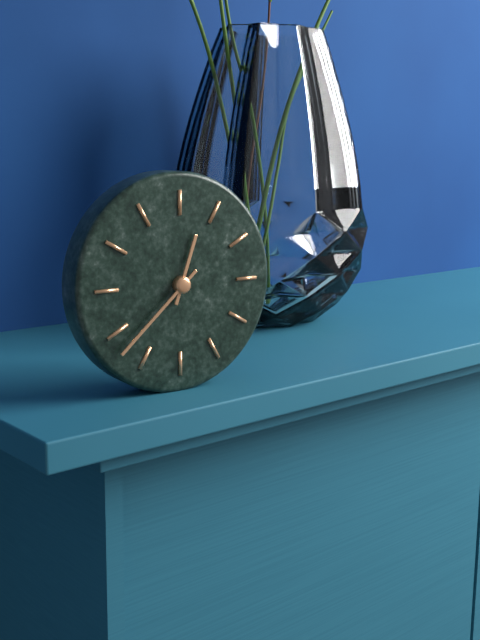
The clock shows {"hour": 12, "minute": 38}
